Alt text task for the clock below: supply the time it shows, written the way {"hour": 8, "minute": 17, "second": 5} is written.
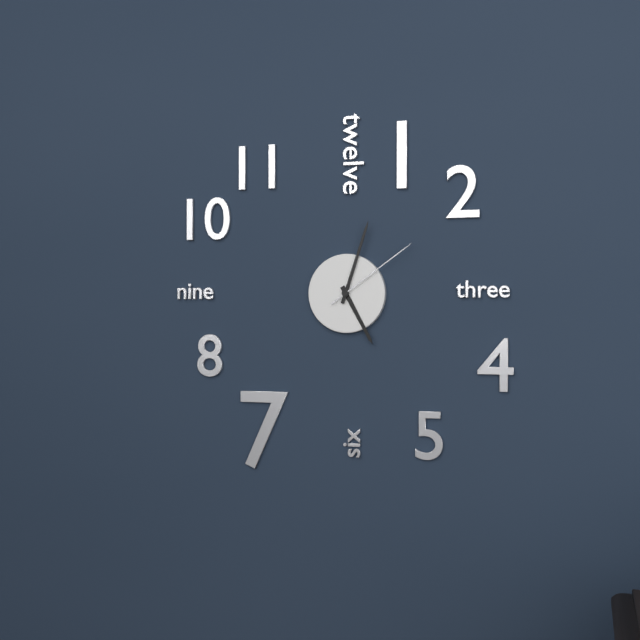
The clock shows {"hour": 5, "minute": 3, "second": 9}
